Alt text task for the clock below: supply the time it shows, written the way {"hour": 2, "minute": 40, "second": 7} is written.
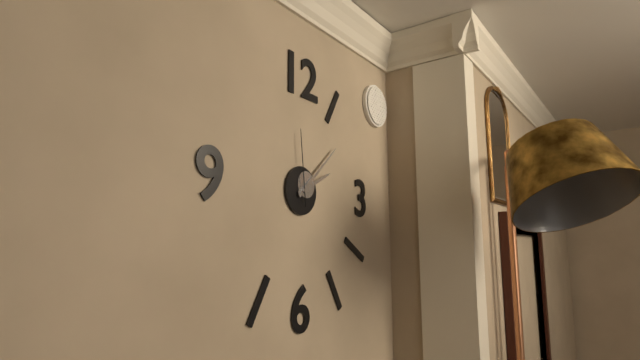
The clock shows {"hour": 2, "minute": 8, "second": 59}
